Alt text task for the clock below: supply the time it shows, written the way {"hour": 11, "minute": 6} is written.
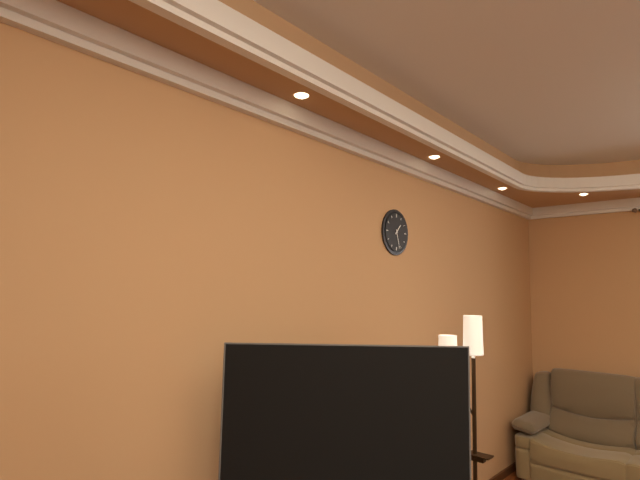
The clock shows {"hour": 1, "minute": 27}
